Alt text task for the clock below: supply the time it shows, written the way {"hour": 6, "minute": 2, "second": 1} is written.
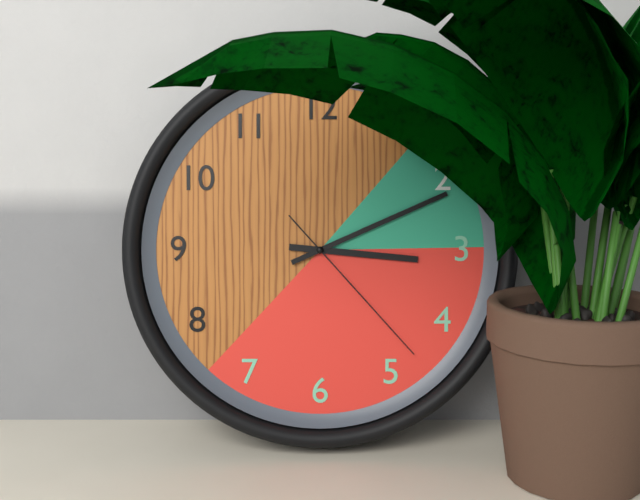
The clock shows {"hour": 3, "minute": 11, "second": 23}
